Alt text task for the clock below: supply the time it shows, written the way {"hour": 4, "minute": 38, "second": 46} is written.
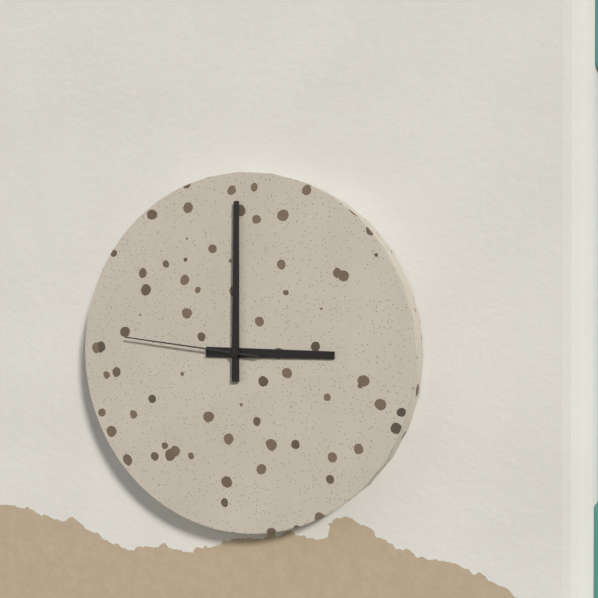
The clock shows {"hour": 3, "minute": 0, "second": 46}
